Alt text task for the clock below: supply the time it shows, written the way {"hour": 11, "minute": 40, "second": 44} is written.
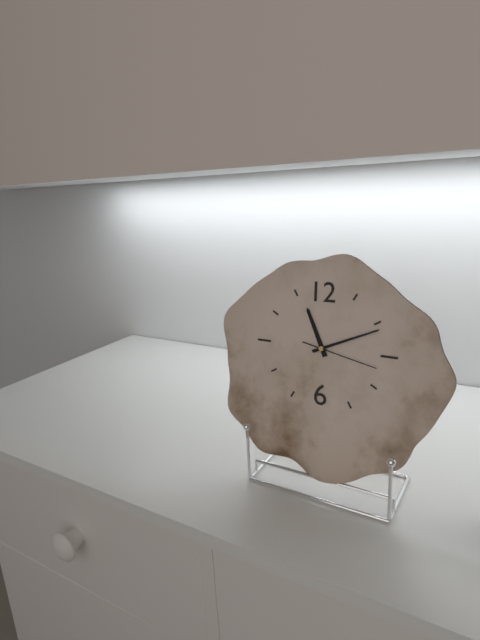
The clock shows {"hour": 11, "minute": 11, "second": 17}
